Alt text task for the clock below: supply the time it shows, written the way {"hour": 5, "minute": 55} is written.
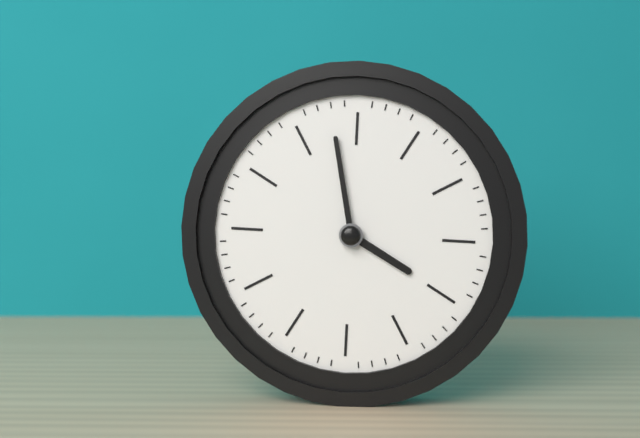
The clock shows {"hour": 3, "minute": 58}
